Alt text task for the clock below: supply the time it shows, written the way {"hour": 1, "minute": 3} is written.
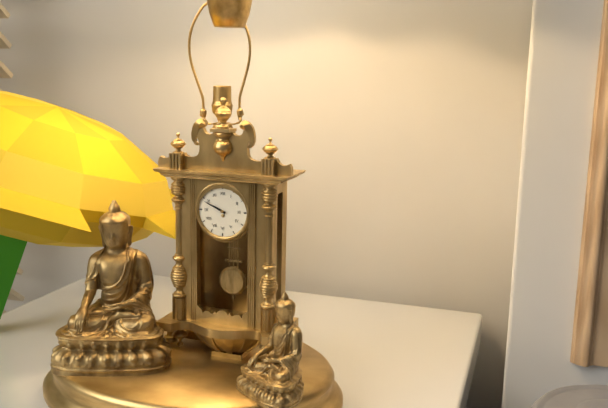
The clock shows {"hour": 9, "minute": 49}
